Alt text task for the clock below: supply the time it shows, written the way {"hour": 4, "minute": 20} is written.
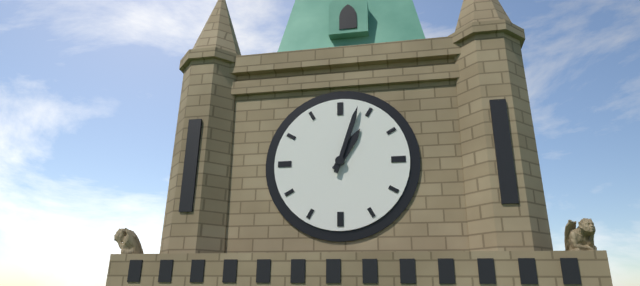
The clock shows {"hour": 1, "minute": 3}
